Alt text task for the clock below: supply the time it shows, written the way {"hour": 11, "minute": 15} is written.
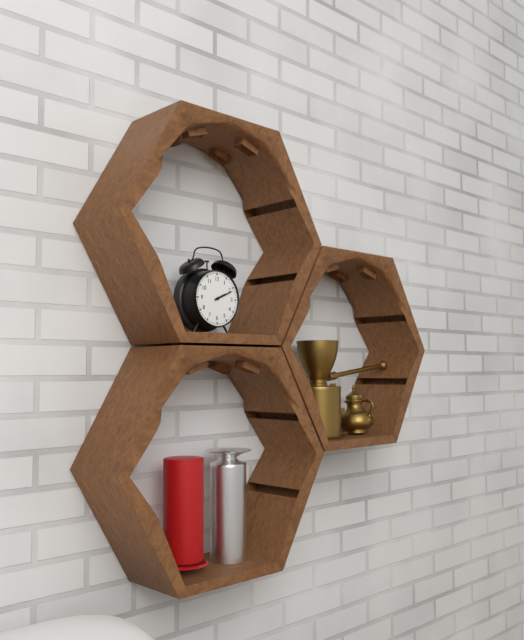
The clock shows {"hour": 2, "minute": 11}
